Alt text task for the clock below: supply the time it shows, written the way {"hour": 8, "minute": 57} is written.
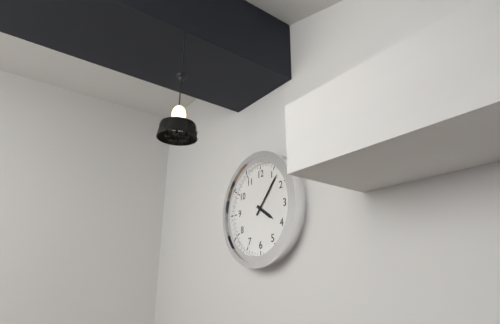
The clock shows {"hour": 4, "minute": 7}
